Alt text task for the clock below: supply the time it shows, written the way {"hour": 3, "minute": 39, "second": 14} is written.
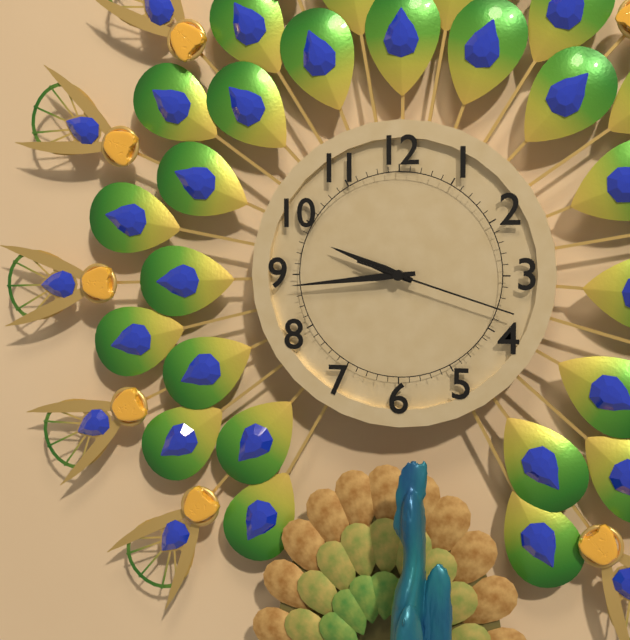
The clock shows {"hour": 9, "minute": 44, "second": 18}
